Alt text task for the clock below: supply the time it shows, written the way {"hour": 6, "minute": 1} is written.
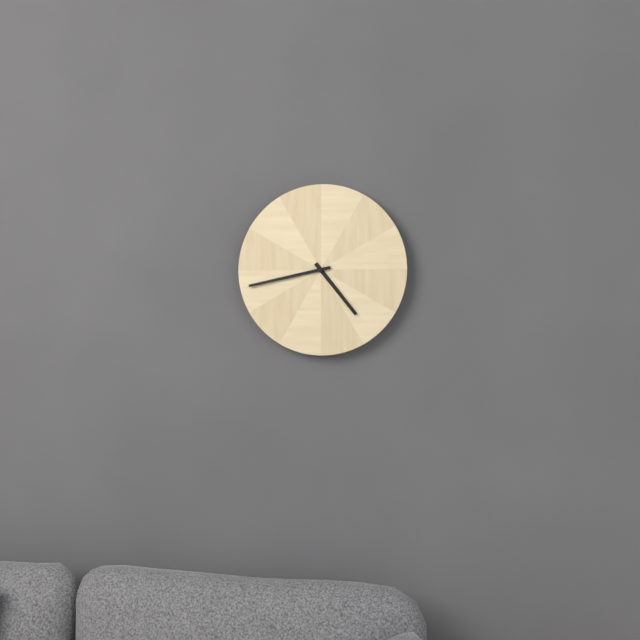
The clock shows {"hour": 4, "minute": 43}
